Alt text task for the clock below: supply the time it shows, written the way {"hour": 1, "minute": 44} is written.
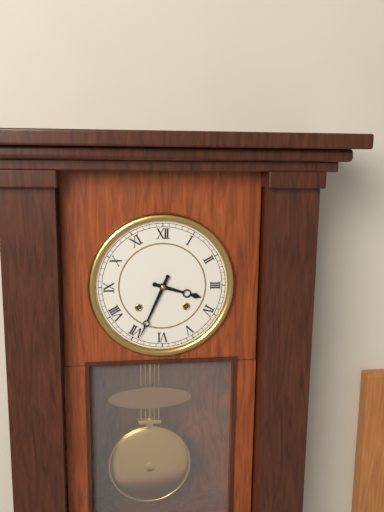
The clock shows {"hour": 3, "minute": 34}
